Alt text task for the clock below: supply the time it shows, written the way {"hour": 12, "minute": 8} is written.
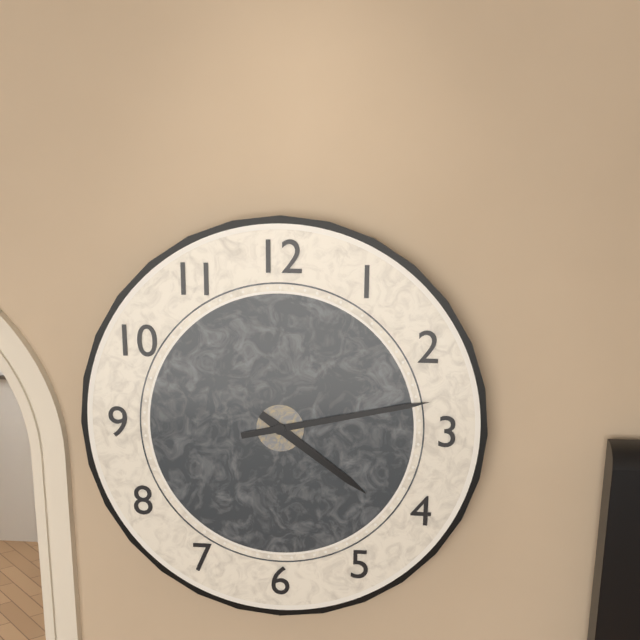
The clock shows {"hour": 4, "minute": 13}
